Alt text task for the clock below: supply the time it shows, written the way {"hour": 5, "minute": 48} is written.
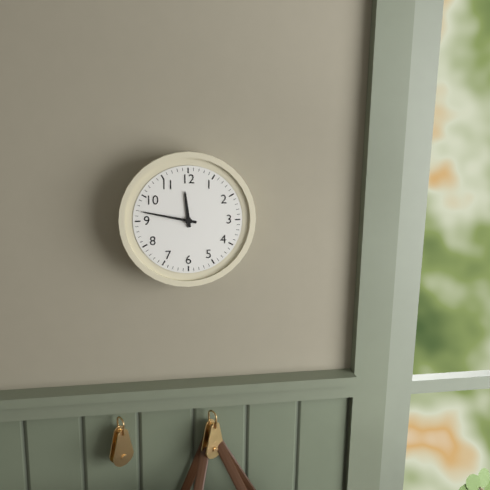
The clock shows {"hour": 11, "minute": 47}
